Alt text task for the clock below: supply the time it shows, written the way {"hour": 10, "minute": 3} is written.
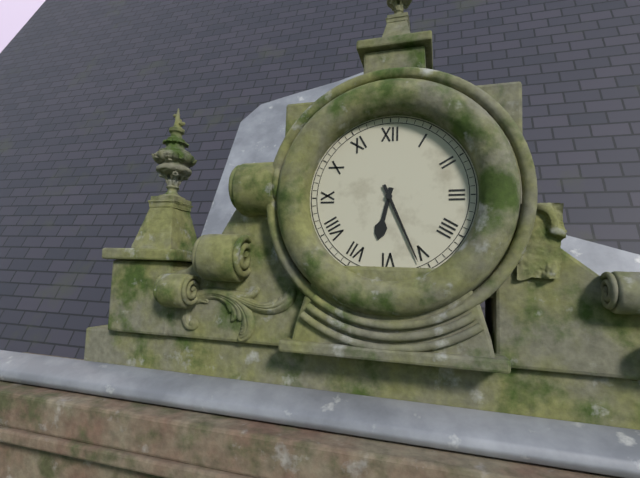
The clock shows {"hour": 6, "minute": 26}
